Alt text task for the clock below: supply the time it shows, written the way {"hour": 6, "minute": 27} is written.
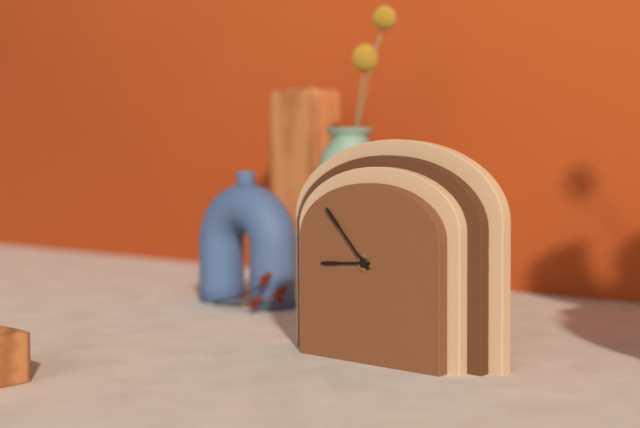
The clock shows {"hour": 8, "minute": 53}
